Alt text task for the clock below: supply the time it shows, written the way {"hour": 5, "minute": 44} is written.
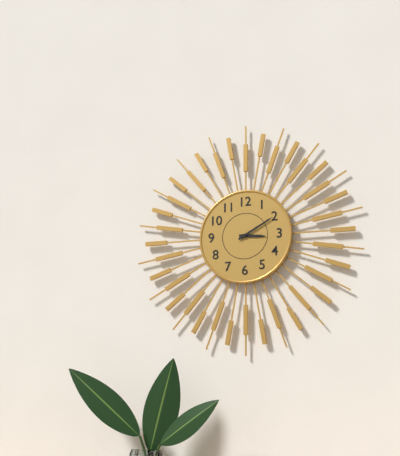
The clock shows {"hour": 3, "minute": 10}
